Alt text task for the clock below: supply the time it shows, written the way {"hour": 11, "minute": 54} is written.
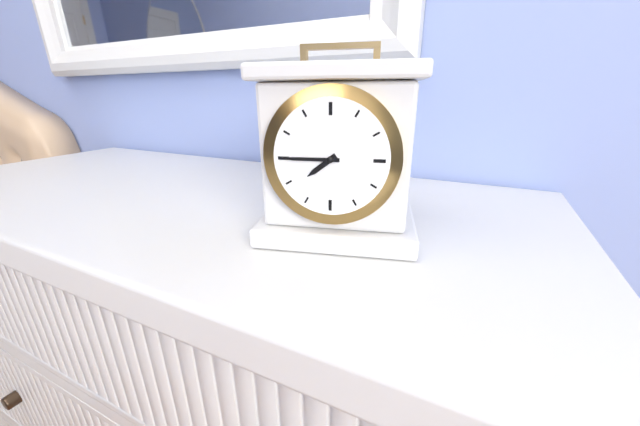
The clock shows {"hour": 7, "minute": 45}
